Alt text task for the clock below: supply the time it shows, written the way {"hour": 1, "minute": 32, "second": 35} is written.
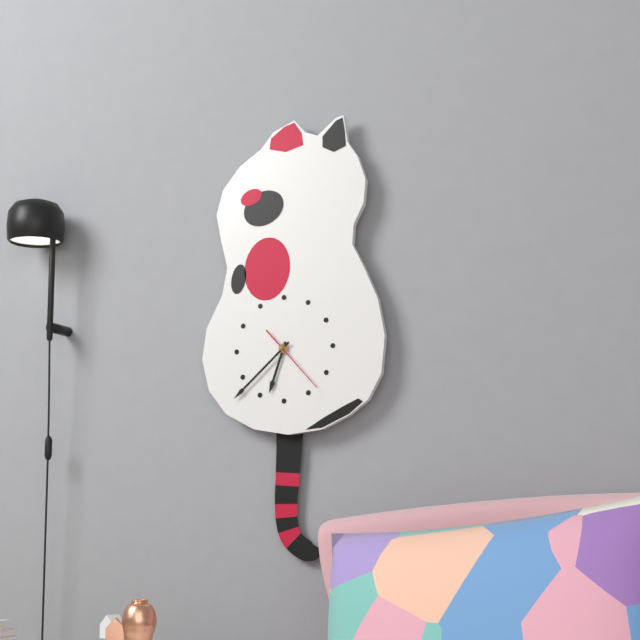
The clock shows {"hour": 6, "minute": 38, "second": 23}
